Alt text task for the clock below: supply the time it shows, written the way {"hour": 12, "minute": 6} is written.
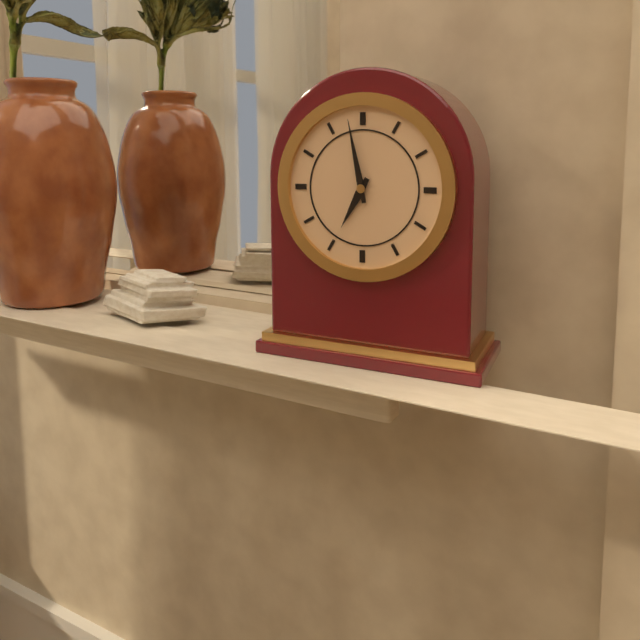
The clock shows {"hour": 6, "minute": 58}
